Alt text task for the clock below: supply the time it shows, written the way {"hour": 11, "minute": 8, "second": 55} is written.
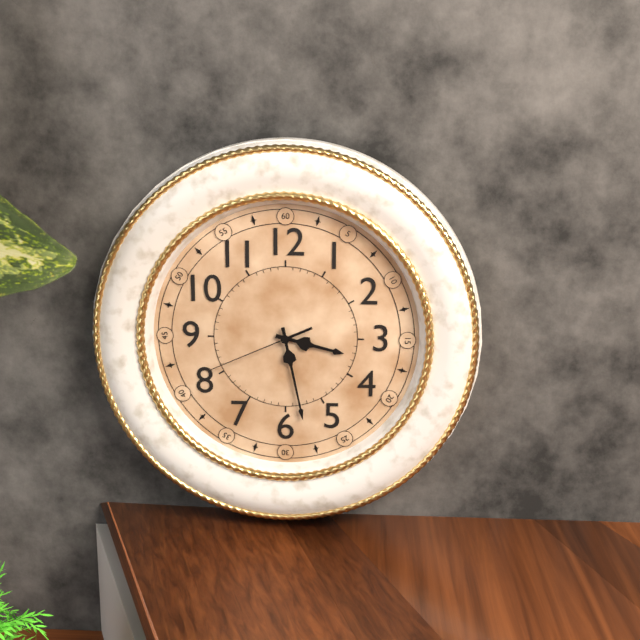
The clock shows {"hour": 3, "minute": 28, "second": 41}
